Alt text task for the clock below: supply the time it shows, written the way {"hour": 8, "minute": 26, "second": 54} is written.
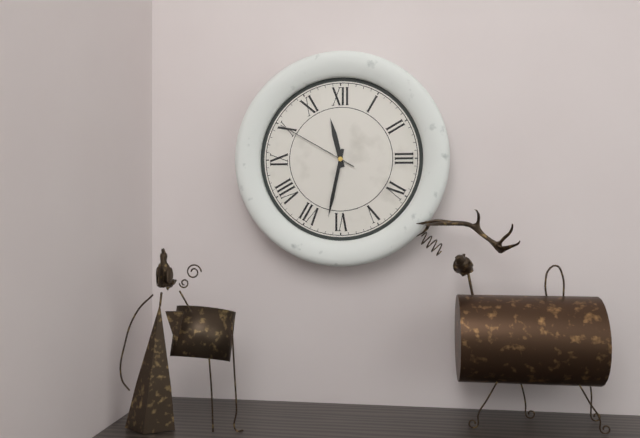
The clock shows {"hour": 11, "minute": 32, "second": 50}
